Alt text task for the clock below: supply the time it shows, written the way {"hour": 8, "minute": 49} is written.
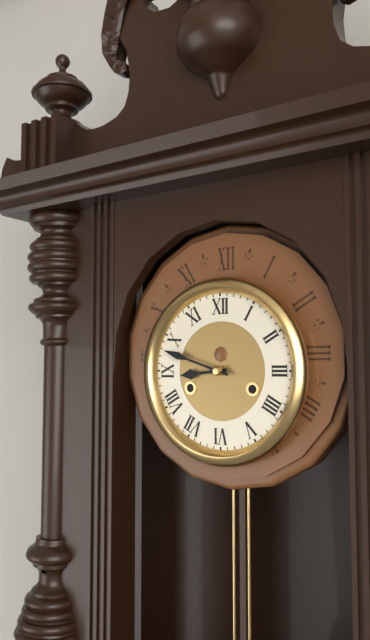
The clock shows {"hour": 8, "minute": 48}
